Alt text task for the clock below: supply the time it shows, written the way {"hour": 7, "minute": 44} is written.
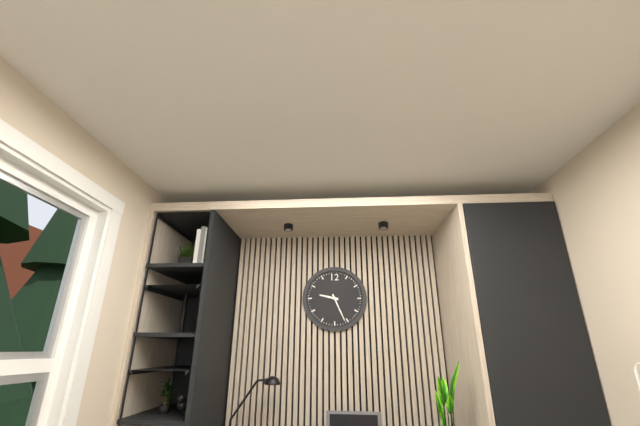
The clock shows {"hour": 9, "minute": 26}
